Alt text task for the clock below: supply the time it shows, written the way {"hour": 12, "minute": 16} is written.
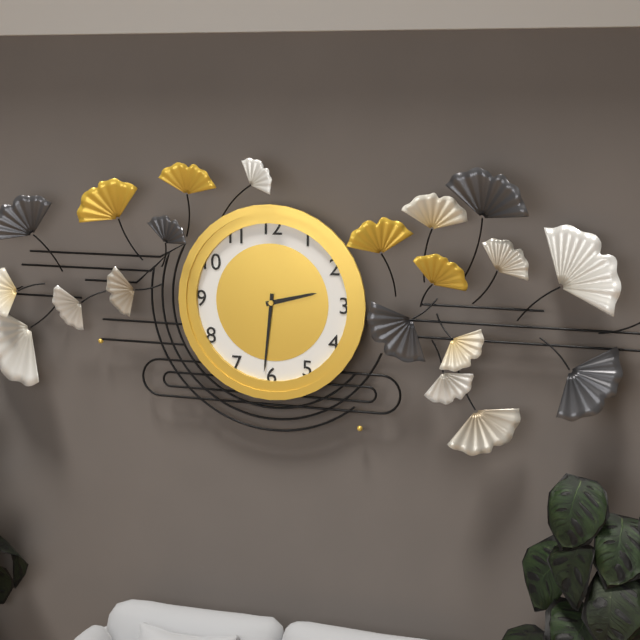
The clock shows {"hour": 2, "minute": 31}
